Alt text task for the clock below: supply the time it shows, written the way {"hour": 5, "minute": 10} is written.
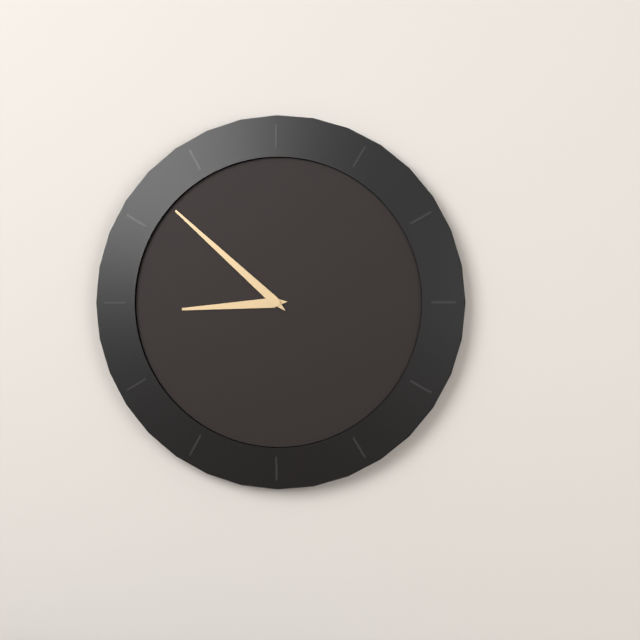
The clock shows {"hour": 8, "minute": 52}
